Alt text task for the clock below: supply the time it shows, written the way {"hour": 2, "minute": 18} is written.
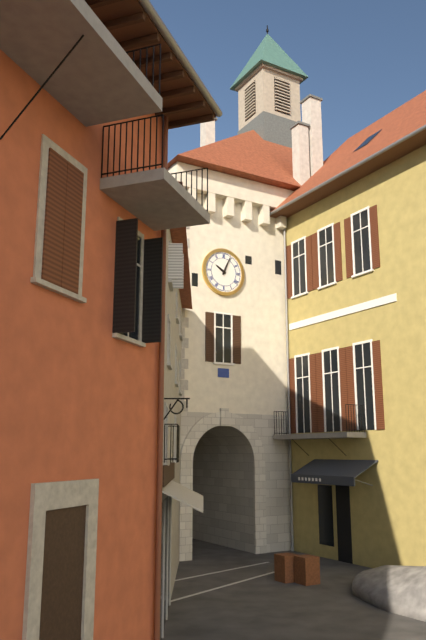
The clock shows {"hour": 10, "minute": 4}
